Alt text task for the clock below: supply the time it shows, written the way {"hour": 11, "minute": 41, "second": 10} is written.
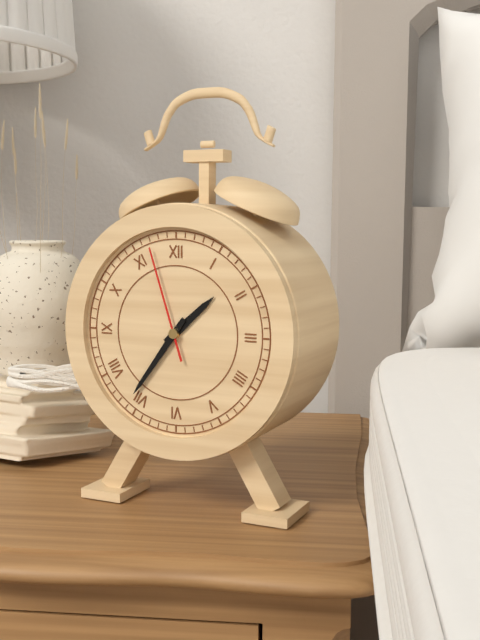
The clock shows {"hour": 1, "minute": 36, "second": 57}
